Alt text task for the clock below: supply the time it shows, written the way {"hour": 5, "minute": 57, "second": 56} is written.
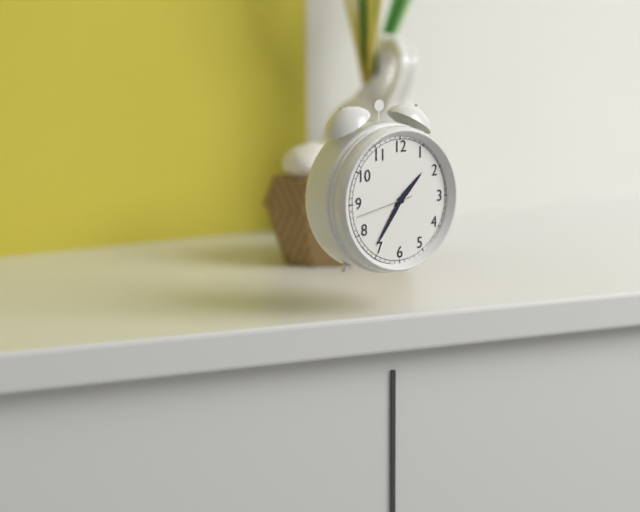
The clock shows {"hour": 1, "minute": 36, "second": 43}
